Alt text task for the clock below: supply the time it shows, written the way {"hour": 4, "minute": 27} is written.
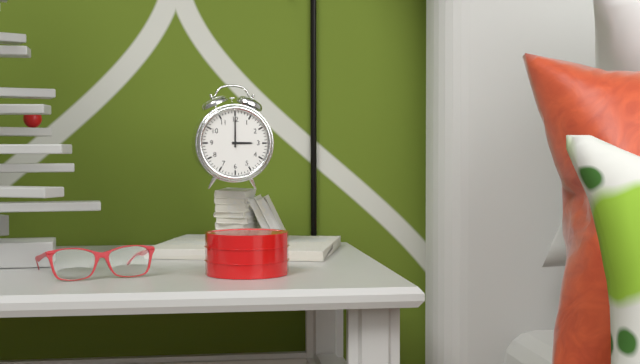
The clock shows {"hour": 3, "minute": 0}
